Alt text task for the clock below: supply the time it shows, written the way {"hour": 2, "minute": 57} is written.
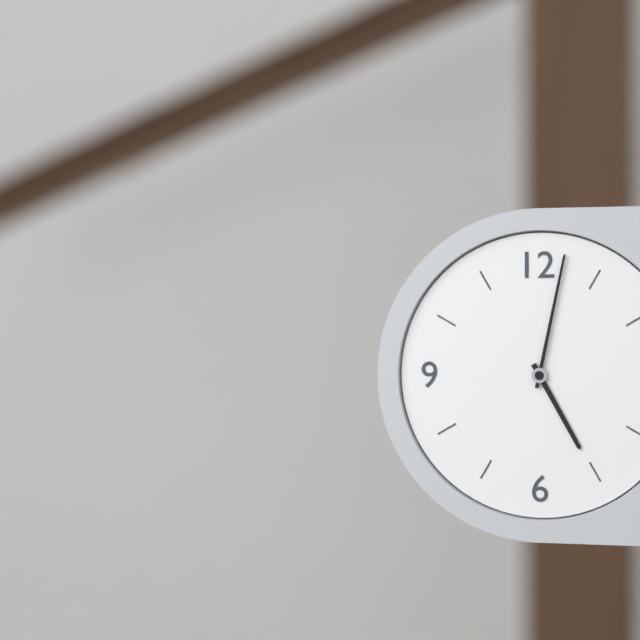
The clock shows {"hour": 5, "minute": 2}
